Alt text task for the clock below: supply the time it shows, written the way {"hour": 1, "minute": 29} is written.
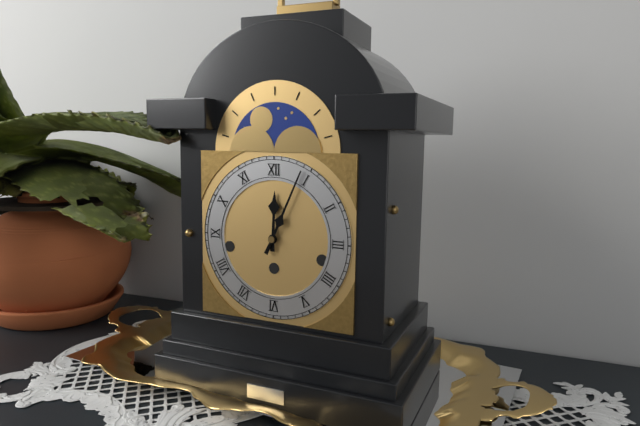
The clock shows {"hour": 12, "minute": 4}
